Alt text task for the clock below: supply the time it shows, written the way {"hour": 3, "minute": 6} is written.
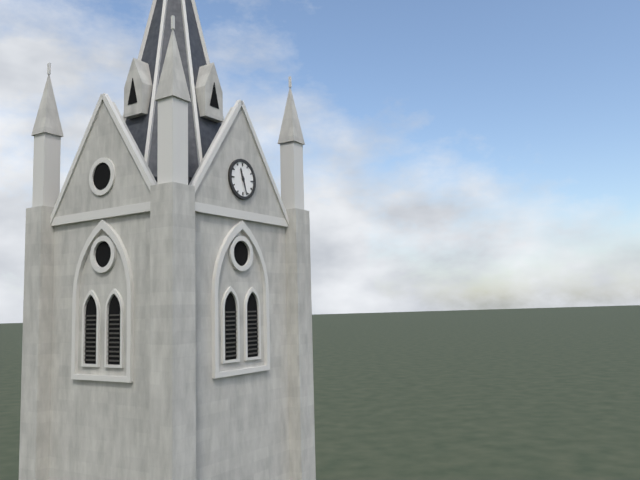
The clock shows {"hour": 11, "minute": 27}
